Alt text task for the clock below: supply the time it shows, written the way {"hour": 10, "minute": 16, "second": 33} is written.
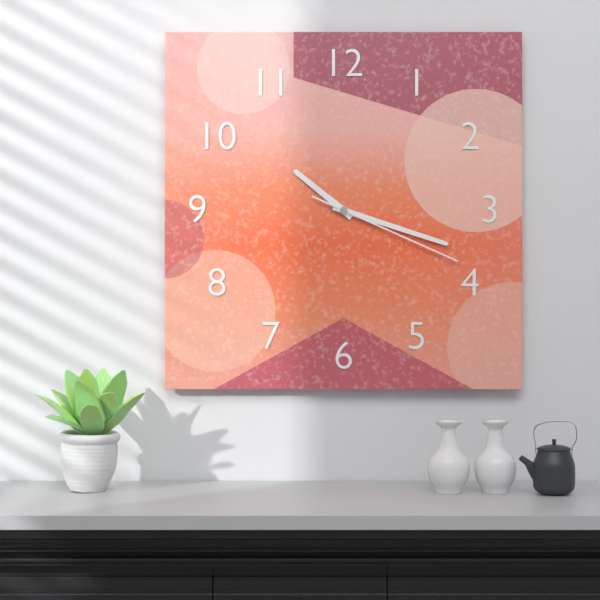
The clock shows {"hour": 10, "minute": 18, "second": 19}
